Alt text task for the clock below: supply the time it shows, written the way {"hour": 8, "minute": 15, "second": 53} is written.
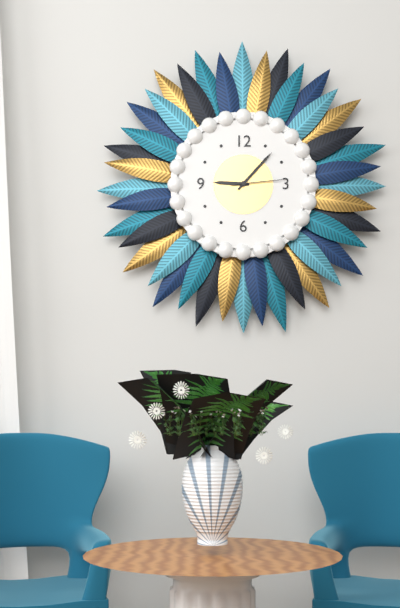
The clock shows {"hour": 9, "minute": 7, "second": 14}
